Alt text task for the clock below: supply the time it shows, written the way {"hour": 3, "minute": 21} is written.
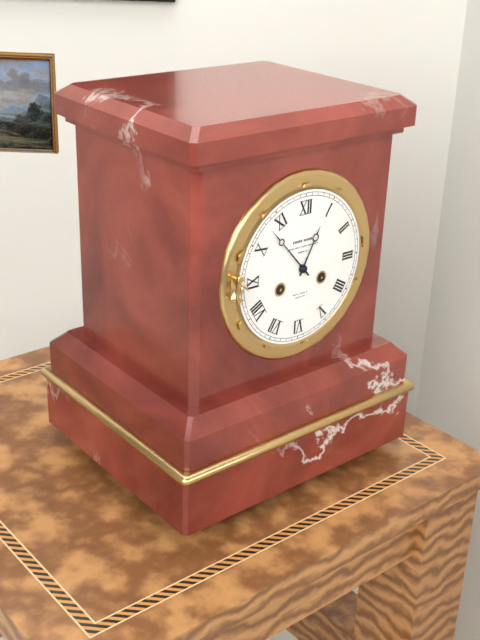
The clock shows {"hour": 12, "minute": 53}
